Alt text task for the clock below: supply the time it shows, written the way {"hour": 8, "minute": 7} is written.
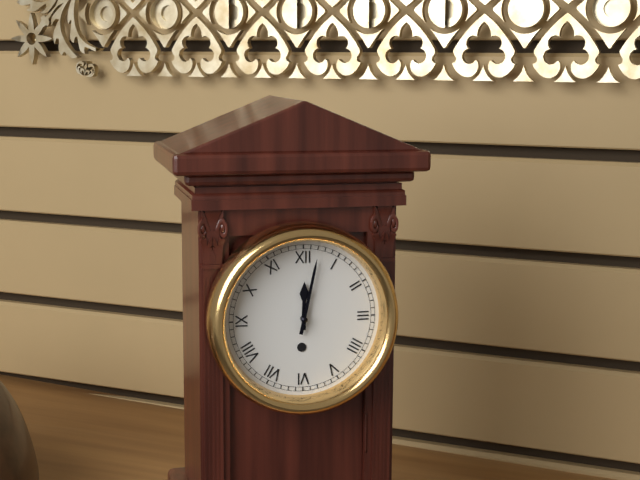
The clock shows {"hour": 12, "minute": 2}
